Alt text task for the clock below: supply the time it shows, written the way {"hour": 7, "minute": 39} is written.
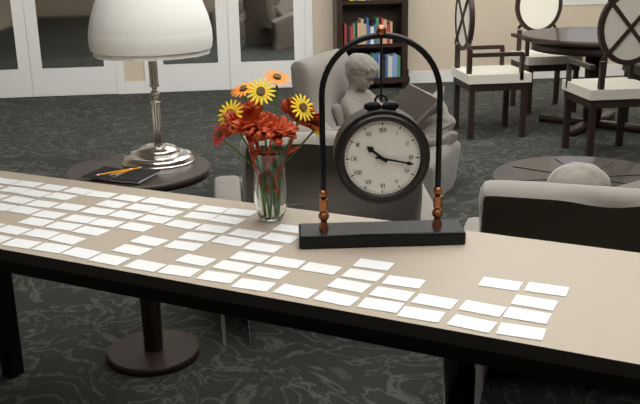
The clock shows {"hour": 10, "minute": 17}
